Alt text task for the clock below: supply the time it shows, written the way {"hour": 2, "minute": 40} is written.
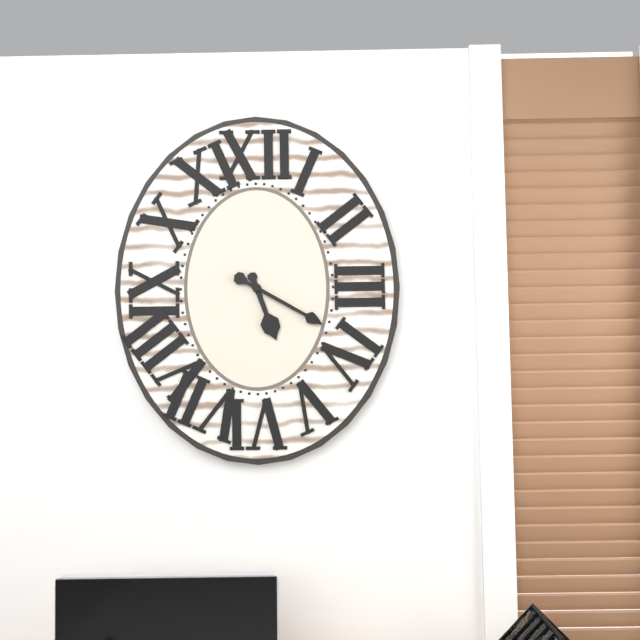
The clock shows {"hour": 5, "minute": 20}
